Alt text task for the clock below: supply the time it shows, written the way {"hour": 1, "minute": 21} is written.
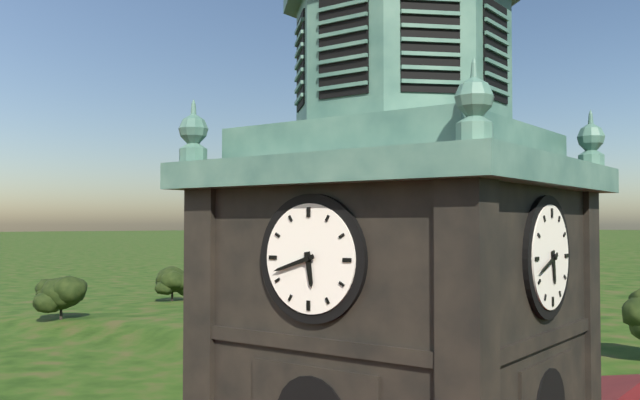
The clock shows {"hour": 5, "minute": 42}
